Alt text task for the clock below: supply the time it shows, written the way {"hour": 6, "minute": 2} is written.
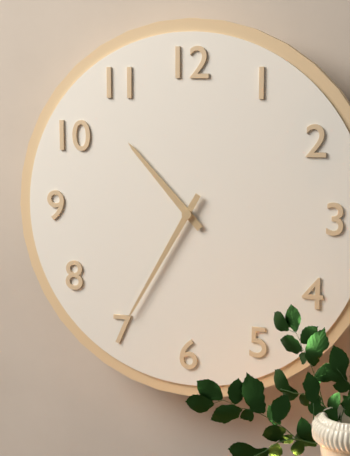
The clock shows {"hour": 10, "minute": 35}
